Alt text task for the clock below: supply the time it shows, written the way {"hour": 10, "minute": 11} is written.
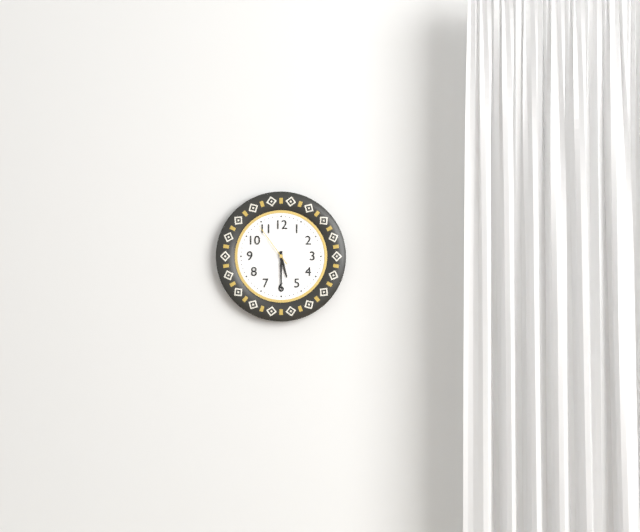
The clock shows {"hour": 5, "minute": 30}
